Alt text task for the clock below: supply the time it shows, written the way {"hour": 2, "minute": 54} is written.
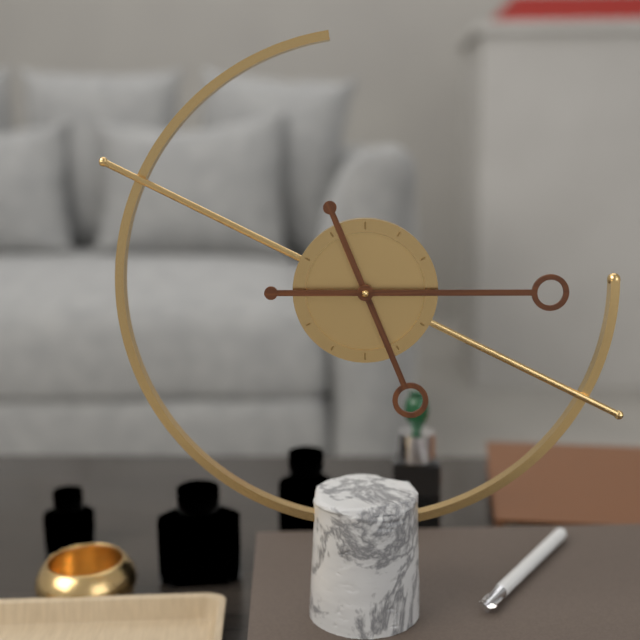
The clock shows {"hour": 5, "minute": 15}
